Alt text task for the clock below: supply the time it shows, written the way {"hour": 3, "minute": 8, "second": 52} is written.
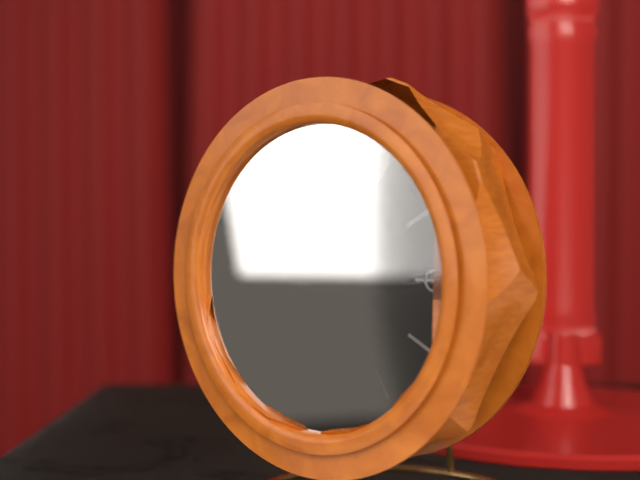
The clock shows {"hour": 5, "minute": 36, "second": 2}
